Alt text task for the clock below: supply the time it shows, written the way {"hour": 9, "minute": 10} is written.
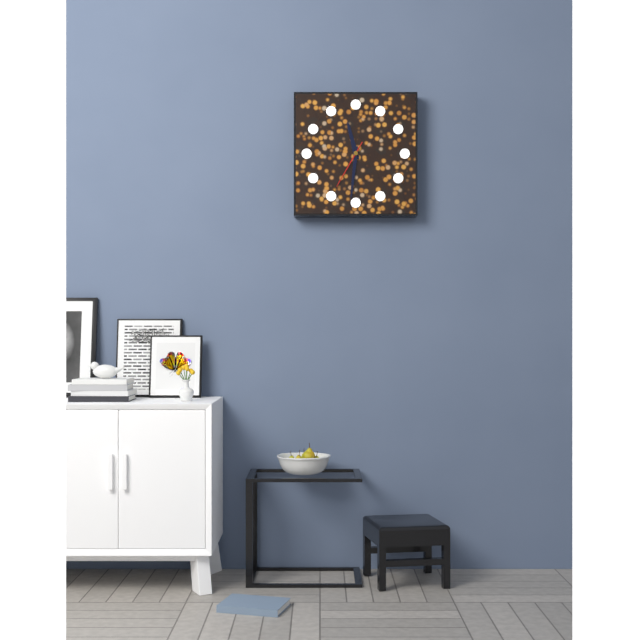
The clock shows {"hour": 11, "minute": 31}
